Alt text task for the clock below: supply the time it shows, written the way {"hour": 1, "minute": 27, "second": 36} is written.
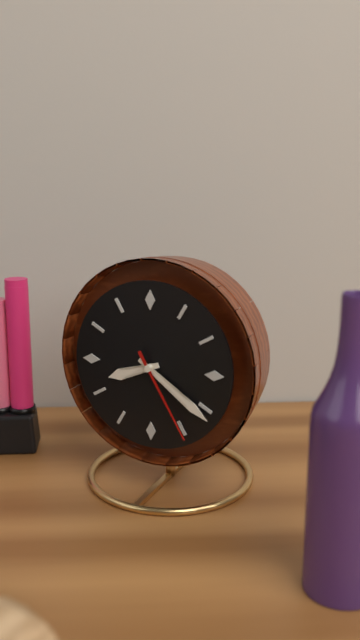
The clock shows {"hour": 8, "minute": 21, "second": 25}
